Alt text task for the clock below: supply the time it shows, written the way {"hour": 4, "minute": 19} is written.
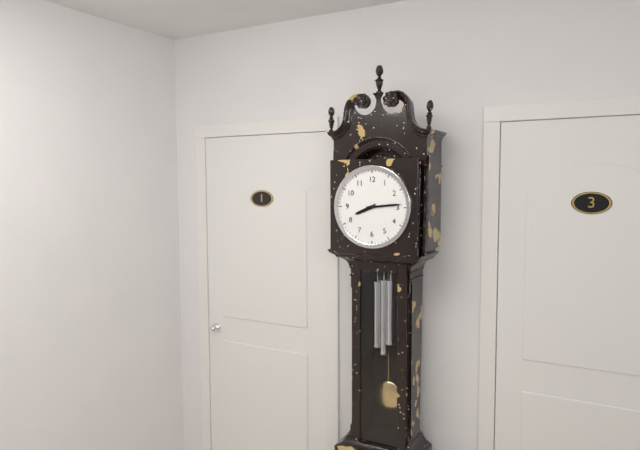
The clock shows {"hour": 8, "minute": 14}
